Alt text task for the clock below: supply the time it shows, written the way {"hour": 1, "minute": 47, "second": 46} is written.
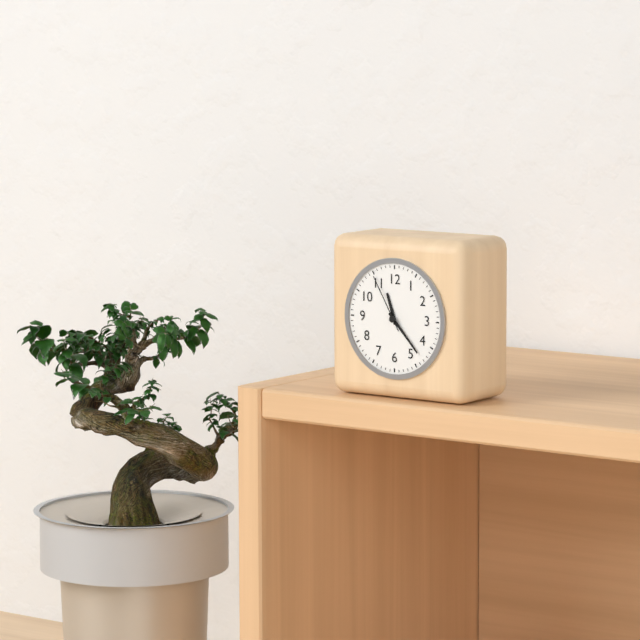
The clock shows {"hour": 11, "minute": 23, "second": 55}
